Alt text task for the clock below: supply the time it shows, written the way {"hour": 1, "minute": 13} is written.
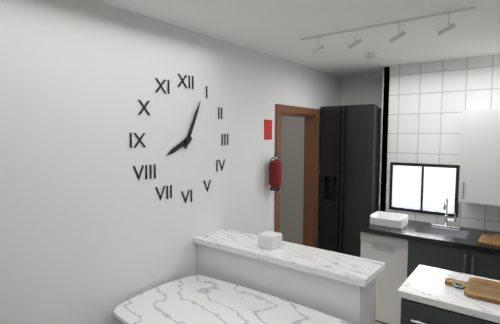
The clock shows {"hour": 8, "minute": 4}
